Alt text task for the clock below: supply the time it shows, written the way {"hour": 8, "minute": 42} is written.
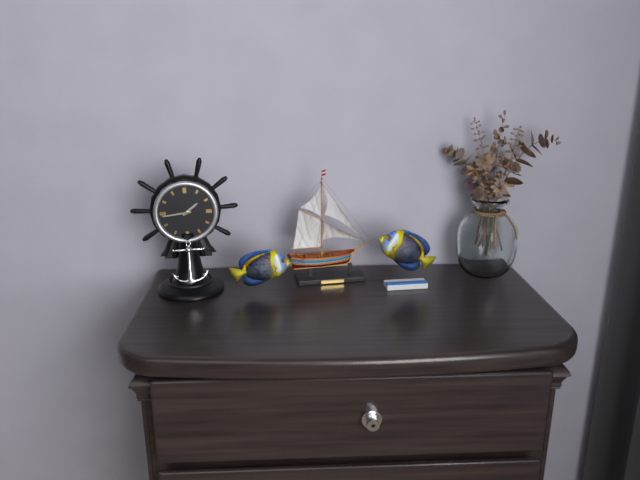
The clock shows {"hour": 1, "minute": 44}
